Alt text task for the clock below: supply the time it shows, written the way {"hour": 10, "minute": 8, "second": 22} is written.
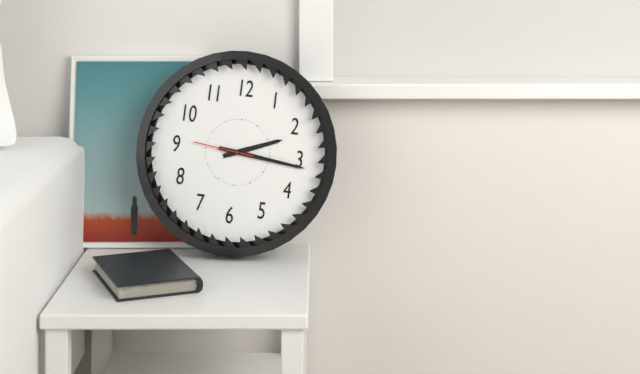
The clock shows {"hour": 2, "minute": 16, "second": 46}
